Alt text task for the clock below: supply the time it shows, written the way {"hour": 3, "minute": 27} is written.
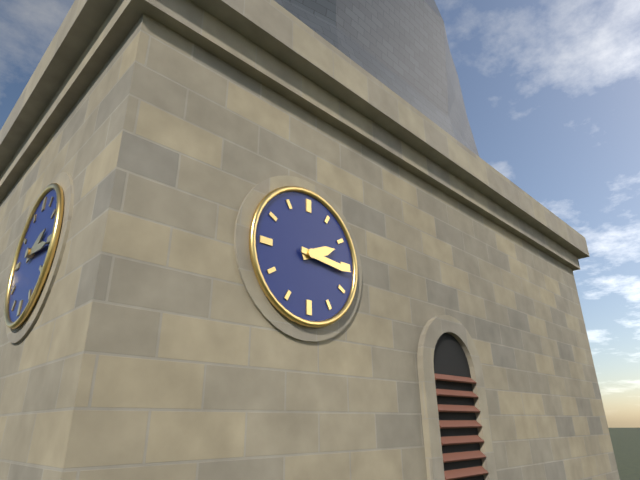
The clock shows {"hour": 2, "minute": 16}
